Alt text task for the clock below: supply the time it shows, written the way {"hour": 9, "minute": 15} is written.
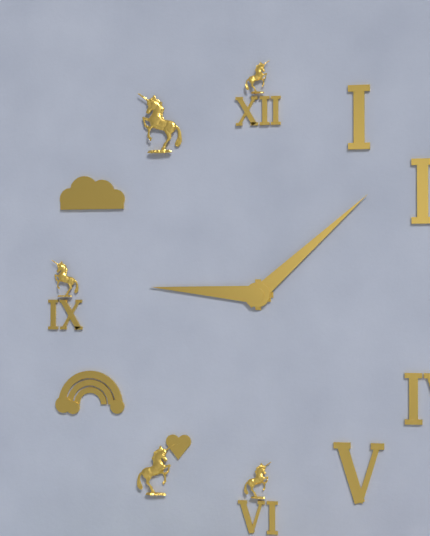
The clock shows {"hour": 9, "minute": 8}
